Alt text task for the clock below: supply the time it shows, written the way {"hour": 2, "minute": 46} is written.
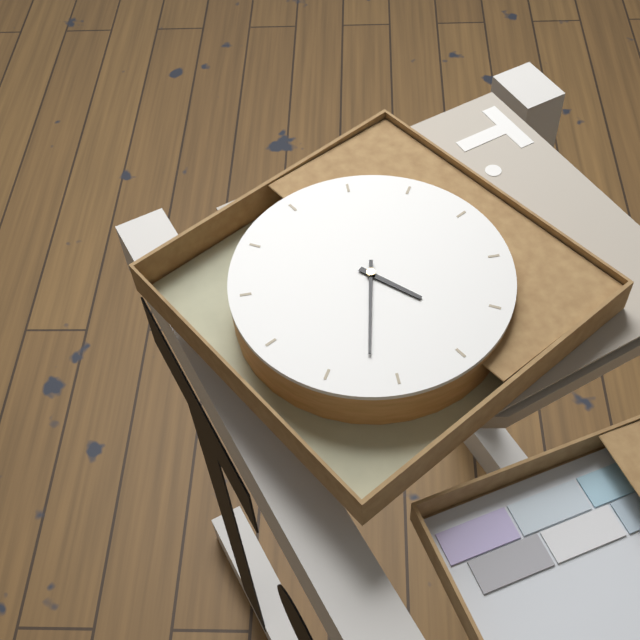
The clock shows {"hour": 3, "minute": 27}
